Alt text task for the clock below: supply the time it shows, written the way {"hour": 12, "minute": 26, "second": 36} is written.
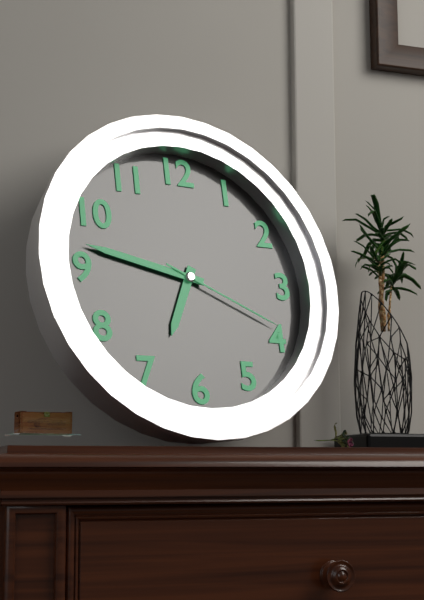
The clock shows {"hour": 6, "minute": 47, "second": 19}
